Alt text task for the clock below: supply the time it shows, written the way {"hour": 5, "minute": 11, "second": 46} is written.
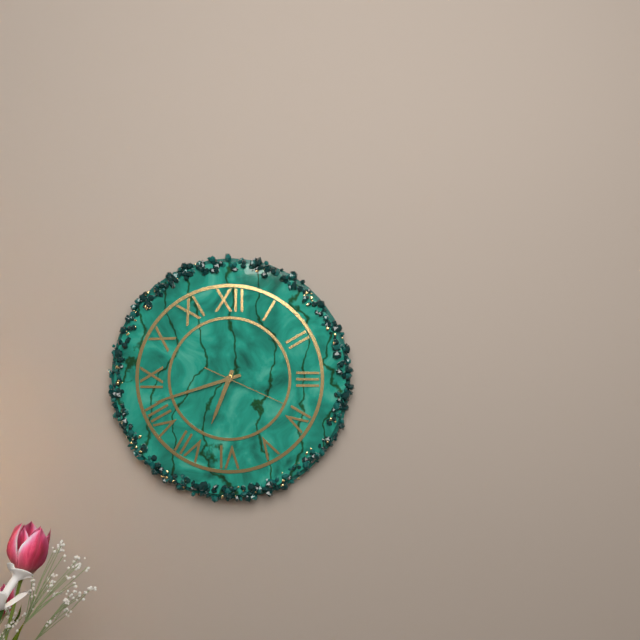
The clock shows {"hour": 6, "minute": 42, "second": 19}
